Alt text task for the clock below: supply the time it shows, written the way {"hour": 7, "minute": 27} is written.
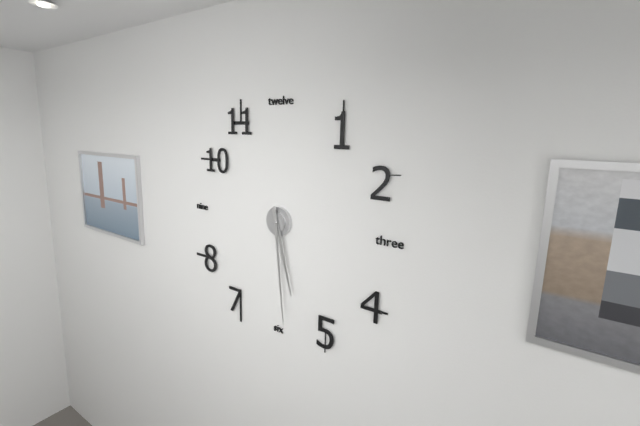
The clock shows {"hour": 5, "minute": 29}
